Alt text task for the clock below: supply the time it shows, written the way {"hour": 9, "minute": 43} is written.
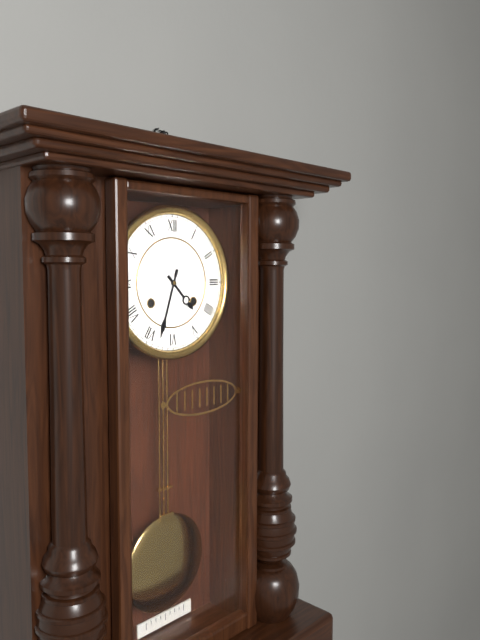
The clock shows {"hour": 4, "minute": 33}
